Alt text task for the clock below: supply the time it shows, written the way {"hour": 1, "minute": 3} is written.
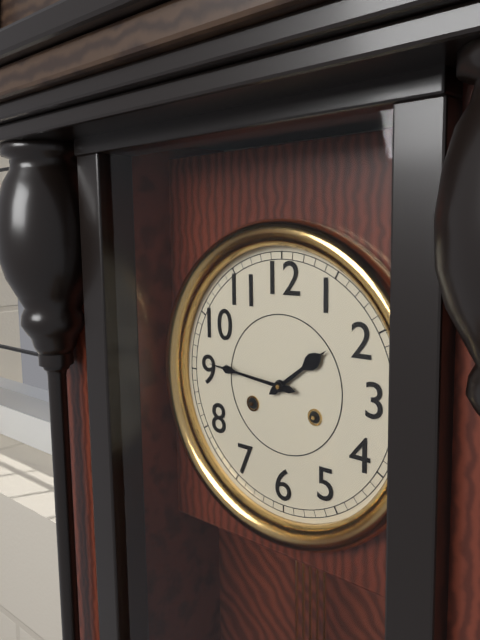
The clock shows {"hour": 1, "minute": 46}
